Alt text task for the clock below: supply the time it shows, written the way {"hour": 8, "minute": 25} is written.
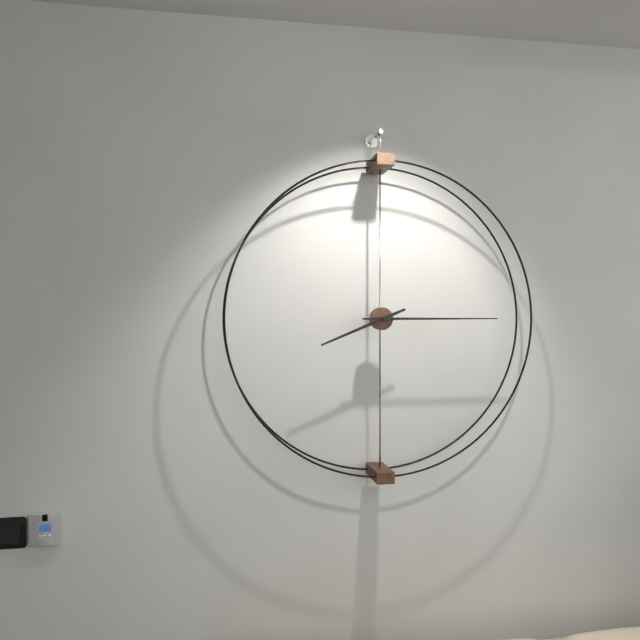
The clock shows {"hour": 8, "minute": 15}
